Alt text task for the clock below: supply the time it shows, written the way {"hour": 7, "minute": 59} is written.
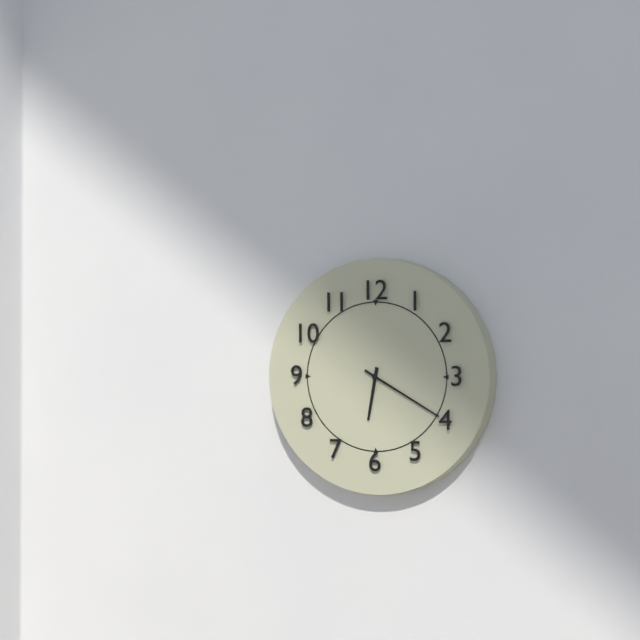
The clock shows {"hour": 6, "minute": 20}
